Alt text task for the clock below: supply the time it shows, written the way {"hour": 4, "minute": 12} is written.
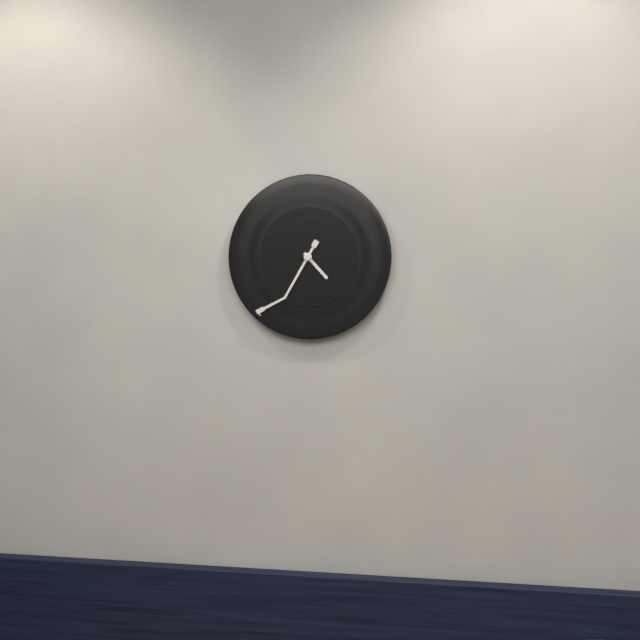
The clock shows {"hour": 4, "minute": 35}
